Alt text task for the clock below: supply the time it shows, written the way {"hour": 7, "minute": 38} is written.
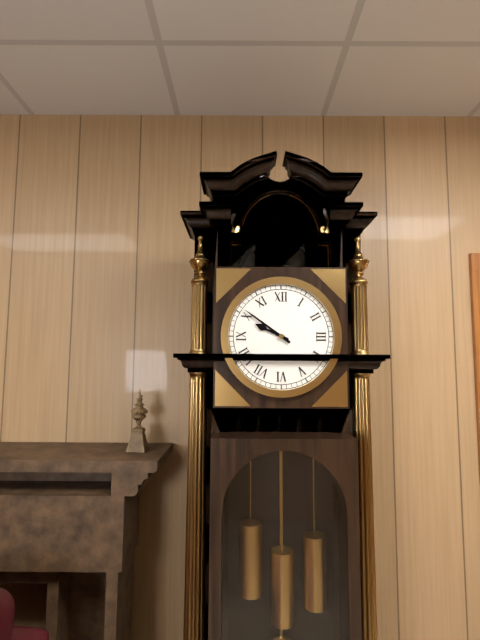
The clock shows {"hour": 9, "minute": 51}
